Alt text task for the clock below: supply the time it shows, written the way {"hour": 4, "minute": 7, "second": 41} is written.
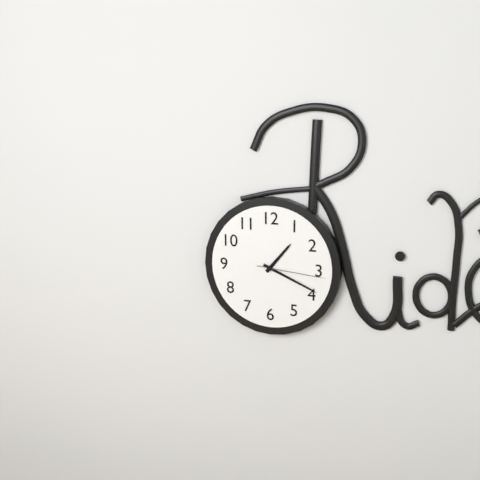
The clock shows {"hour": 1, "minute": 19, "second": 16}
